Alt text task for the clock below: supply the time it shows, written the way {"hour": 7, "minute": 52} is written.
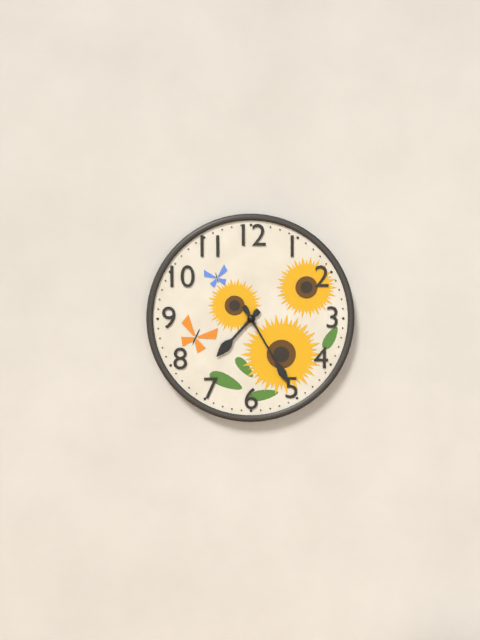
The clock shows {"hour": 7, "minute": 25}
